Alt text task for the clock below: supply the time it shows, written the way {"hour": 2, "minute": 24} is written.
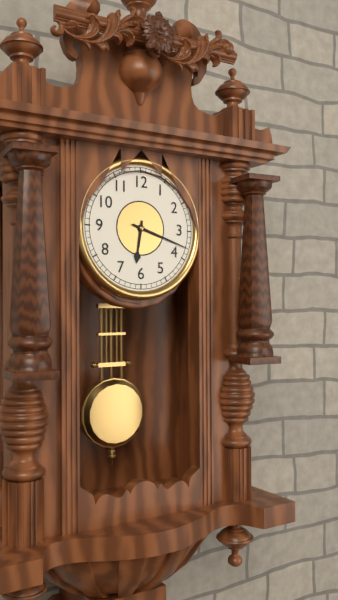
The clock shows {"hour": 6, "minute": 18}
